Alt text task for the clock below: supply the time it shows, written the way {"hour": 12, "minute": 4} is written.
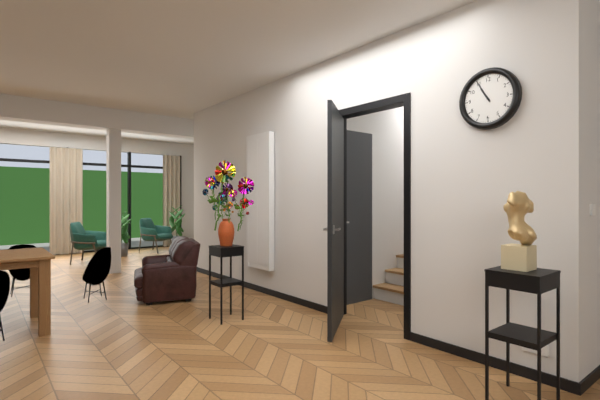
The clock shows {"hour": 10, "minute": 55}
